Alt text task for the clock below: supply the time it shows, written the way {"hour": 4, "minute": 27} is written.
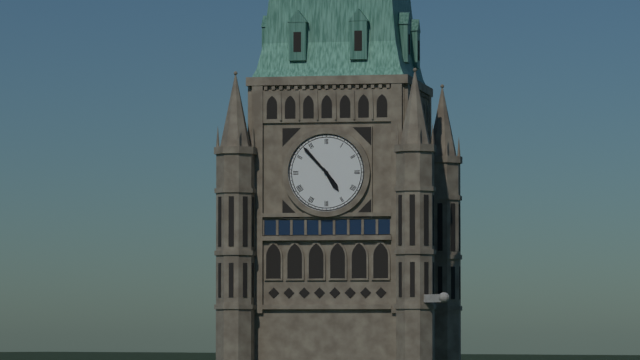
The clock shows {"hour": 4, "minute": 53}
